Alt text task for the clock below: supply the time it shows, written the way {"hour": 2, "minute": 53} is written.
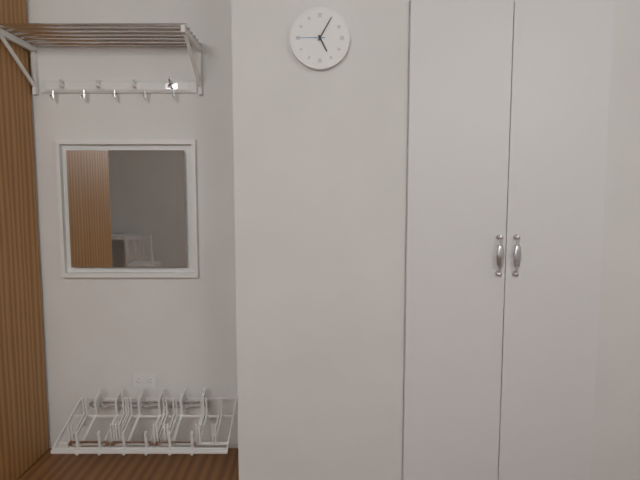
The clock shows {"hour": 5, "minute": 5}
